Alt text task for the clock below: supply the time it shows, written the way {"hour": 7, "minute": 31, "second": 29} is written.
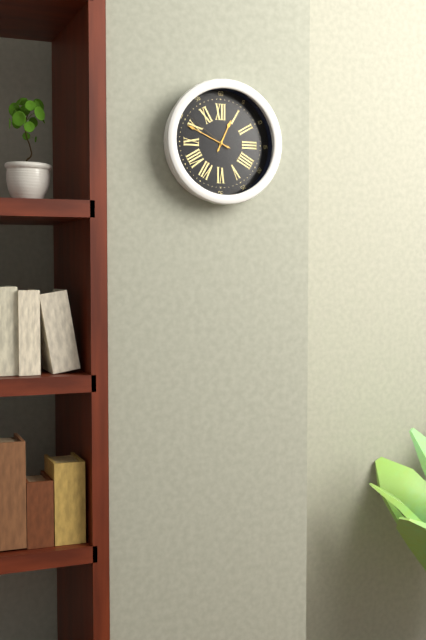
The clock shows {"hour": 12, "minute": 49, "second": 51}
